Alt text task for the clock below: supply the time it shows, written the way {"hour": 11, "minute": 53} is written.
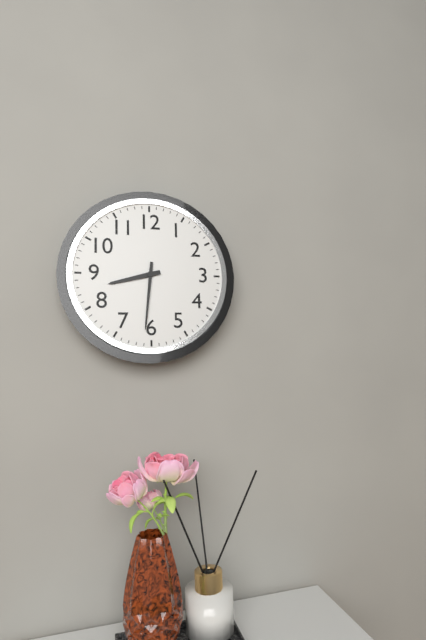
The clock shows {"hour": 8, "minute": 31}
